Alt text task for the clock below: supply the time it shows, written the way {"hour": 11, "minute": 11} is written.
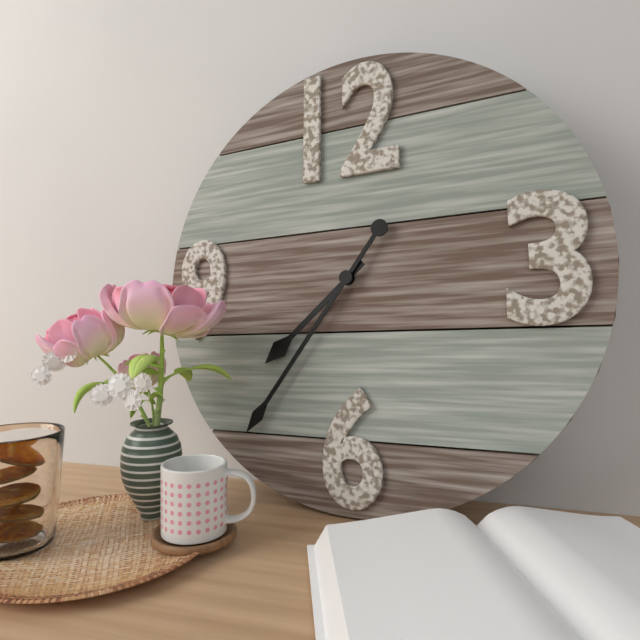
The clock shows {"hour": 7, "minute": 36}
